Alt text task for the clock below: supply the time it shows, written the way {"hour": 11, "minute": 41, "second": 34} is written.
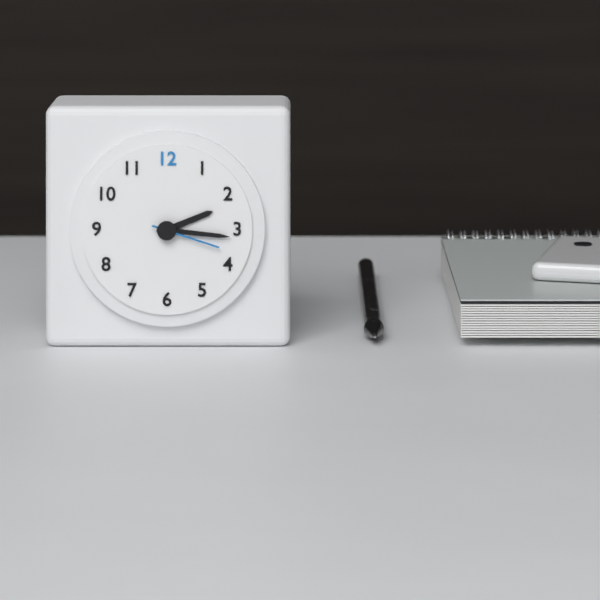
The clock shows {"hour": 2, "minute": 16, "second": 18}
